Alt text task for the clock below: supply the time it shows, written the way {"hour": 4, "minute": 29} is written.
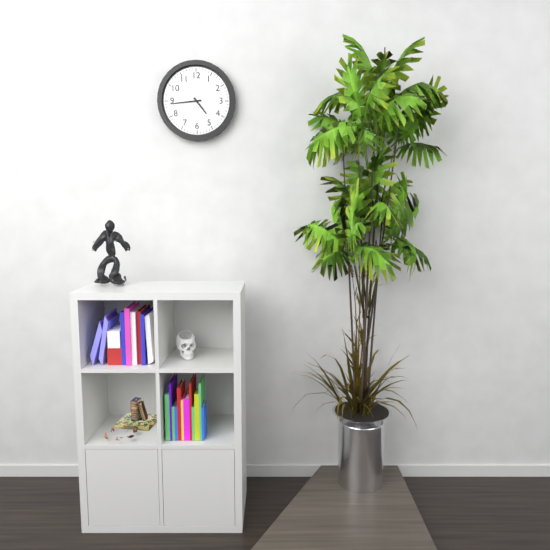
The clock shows {"hour": 4, "minute": 44}
